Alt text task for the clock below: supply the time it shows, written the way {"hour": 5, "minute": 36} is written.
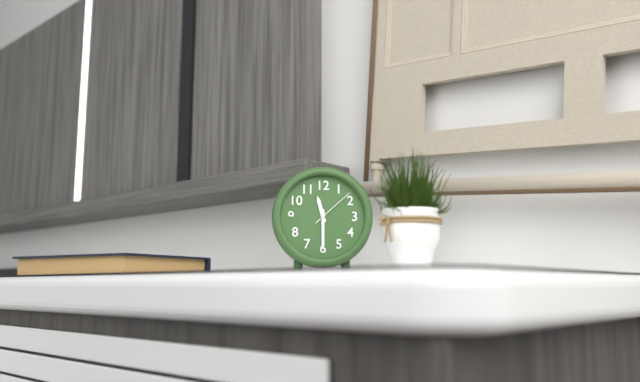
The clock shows {"hour": 11, "minute": 30}
